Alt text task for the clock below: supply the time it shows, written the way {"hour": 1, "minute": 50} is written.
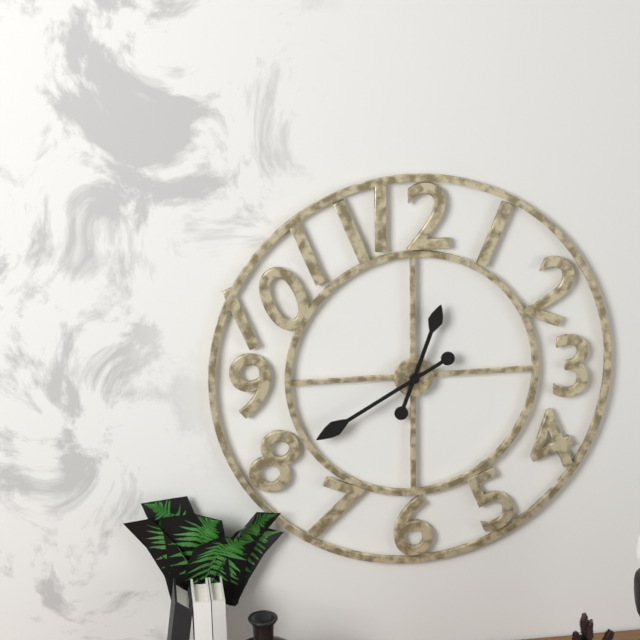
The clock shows {"hour": 12, "minute": 40}
